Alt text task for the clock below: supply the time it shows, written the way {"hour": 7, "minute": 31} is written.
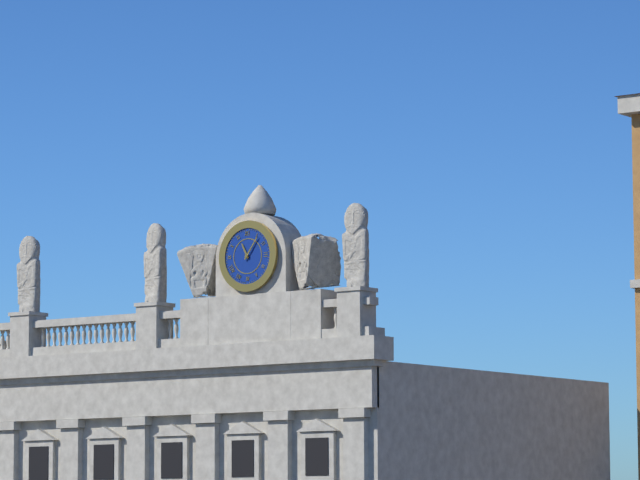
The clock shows {"hour": 11, "minute": 6}
